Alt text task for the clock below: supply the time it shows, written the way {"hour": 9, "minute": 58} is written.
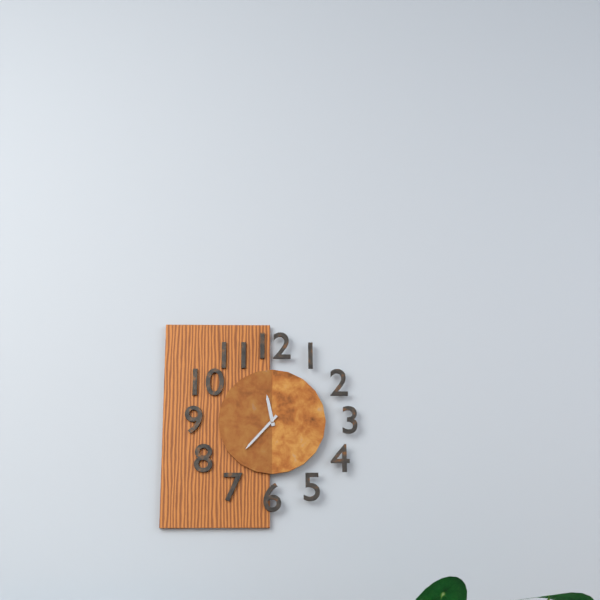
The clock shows {"hour": 11, "minute": 37}
